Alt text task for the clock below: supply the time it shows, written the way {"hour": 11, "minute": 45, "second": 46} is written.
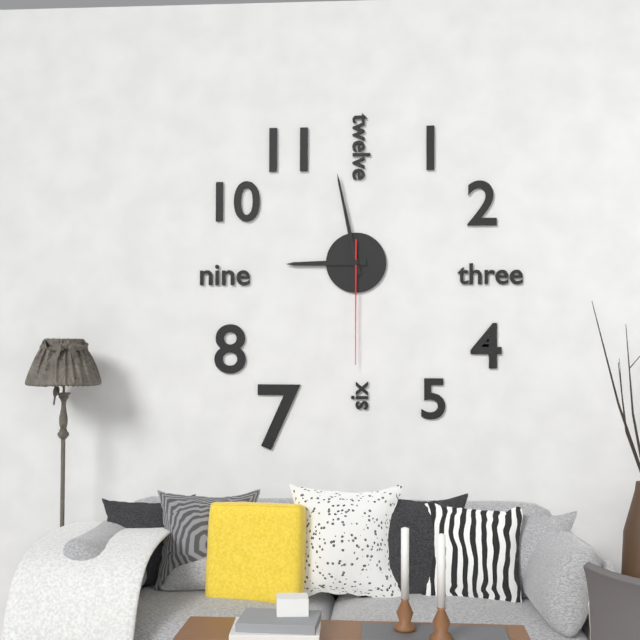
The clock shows {"hour": 8, "minute": 58, "second": 30}
